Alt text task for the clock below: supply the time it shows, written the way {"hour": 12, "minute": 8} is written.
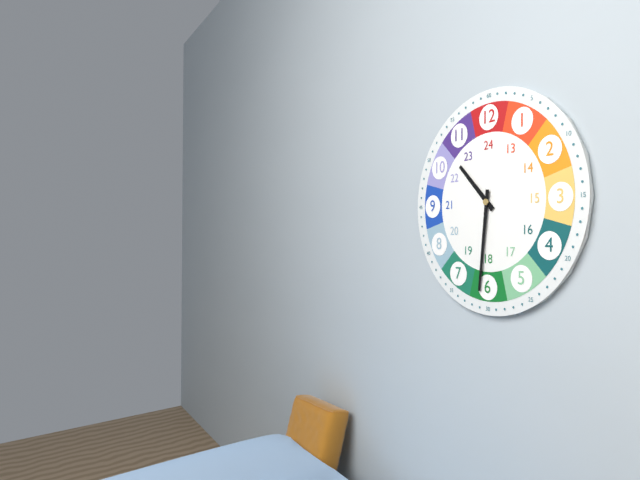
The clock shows {"hour": 10, "minute": 31}
